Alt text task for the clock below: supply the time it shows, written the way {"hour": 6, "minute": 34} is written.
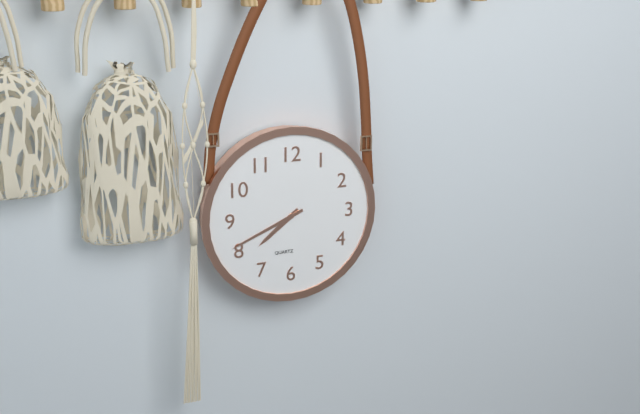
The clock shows {"hour": 7, "minute": 41}
